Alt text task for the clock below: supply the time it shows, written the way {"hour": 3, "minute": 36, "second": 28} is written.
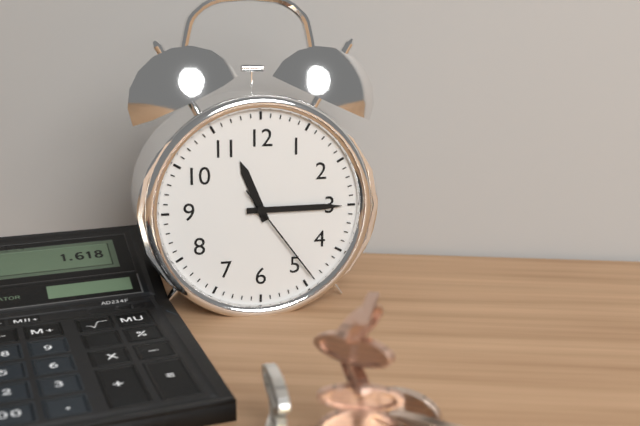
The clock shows {"hour": 11, "minute": 15, "second": 24}
